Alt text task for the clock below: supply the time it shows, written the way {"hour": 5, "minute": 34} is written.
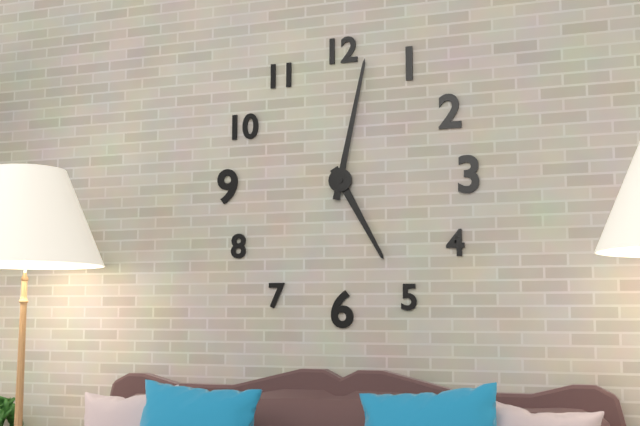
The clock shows {"hour": 5, "minute": 2}
